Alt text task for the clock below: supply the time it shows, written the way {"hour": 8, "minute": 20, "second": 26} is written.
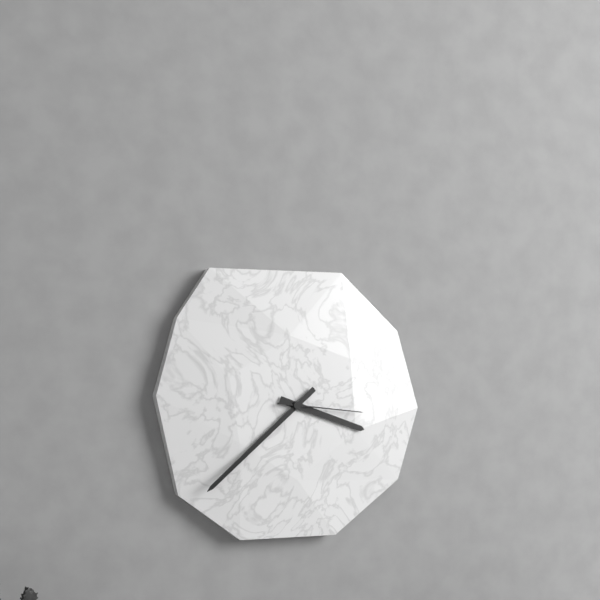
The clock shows {"hour": 3, "minute": 38, "second": 16}
